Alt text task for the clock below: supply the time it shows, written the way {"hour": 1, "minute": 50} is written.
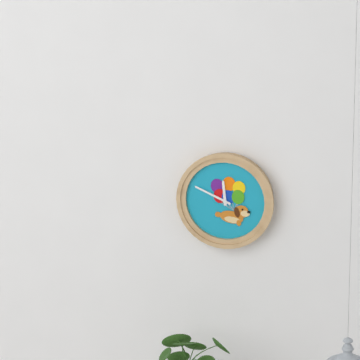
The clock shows {"hour": 11, "minute": 49}
